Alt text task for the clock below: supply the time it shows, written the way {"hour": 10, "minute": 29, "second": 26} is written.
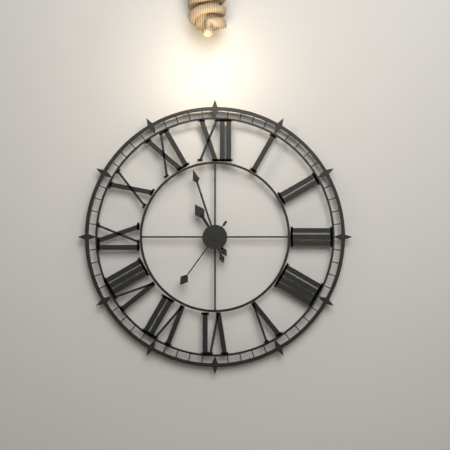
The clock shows {"hour": 10, "minute": 57, "second": 36}
